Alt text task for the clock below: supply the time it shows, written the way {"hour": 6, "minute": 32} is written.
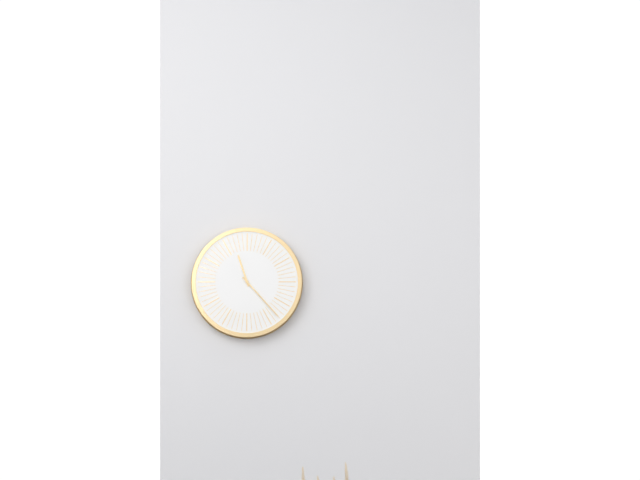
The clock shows {"hour": 11, "minute": 23}
